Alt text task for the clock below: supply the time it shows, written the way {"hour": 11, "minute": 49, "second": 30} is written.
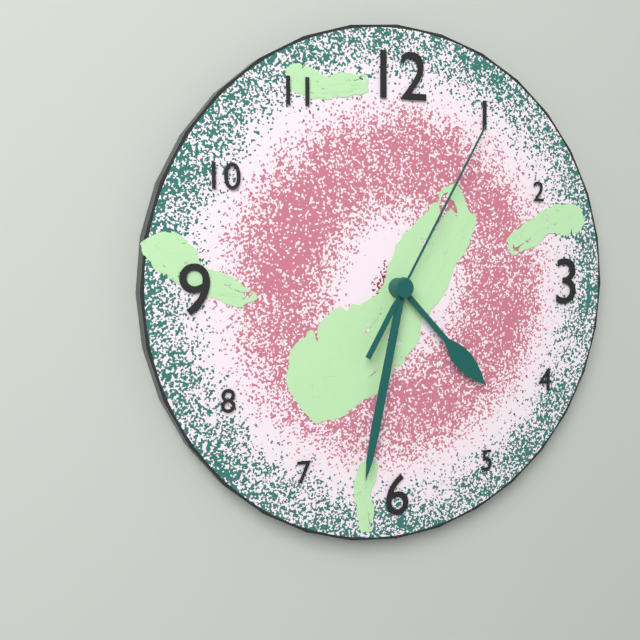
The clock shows {"hour": 4, "minute": 32, "second": 5}
